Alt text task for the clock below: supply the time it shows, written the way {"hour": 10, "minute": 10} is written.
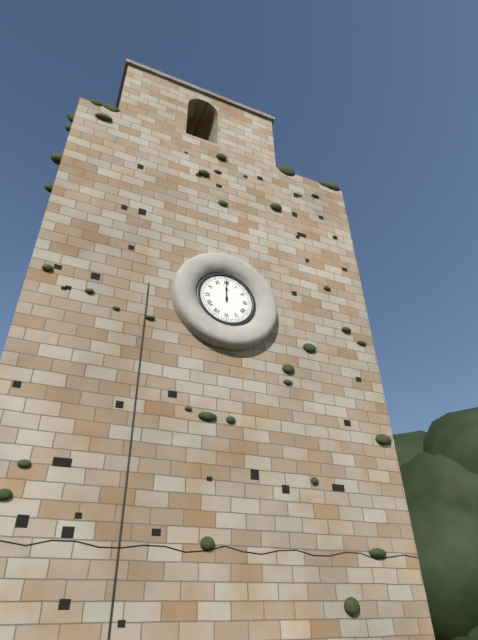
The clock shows {"hour": 12, "minute": 0}
